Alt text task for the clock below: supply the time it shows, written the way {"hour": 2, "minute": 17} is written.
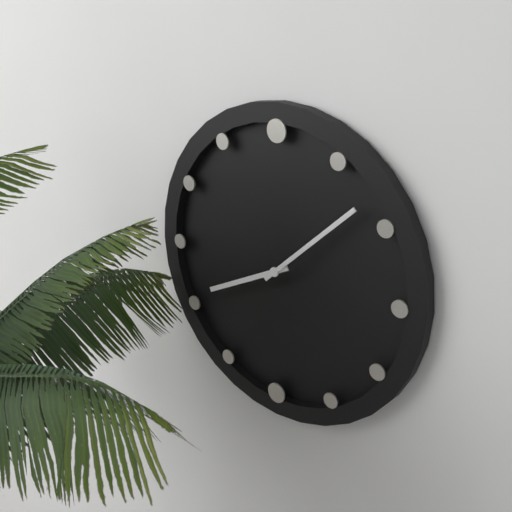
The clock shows {"hour": 8, "minute": 8}
